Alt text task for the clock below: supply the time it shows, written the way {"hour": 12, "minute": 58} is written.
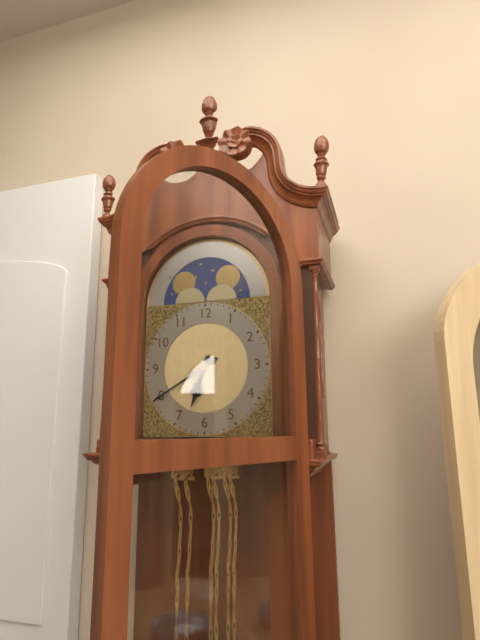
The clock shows {"hour": 6, "minute": 40}
